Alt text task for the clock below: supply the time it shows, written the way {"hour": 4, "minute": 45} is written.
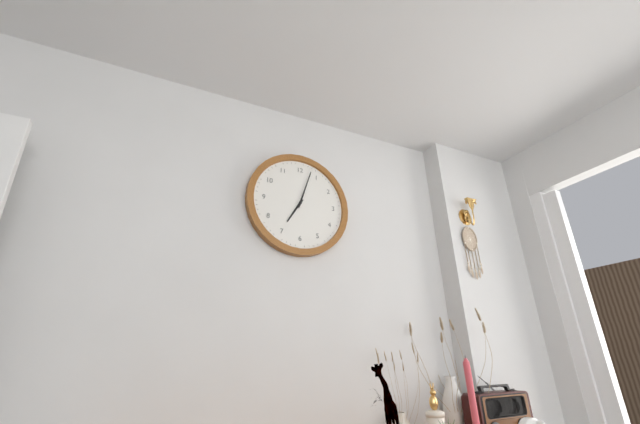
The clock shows {"hour": 7, "minute": 3}
